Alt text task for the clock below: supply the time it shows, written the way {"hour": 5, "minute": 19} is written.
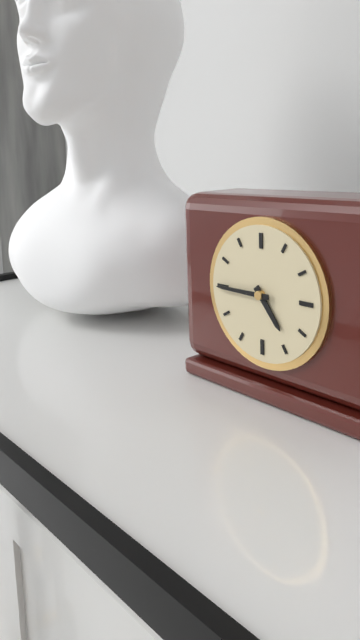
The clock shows {"hour": 4, "minute": 45}
